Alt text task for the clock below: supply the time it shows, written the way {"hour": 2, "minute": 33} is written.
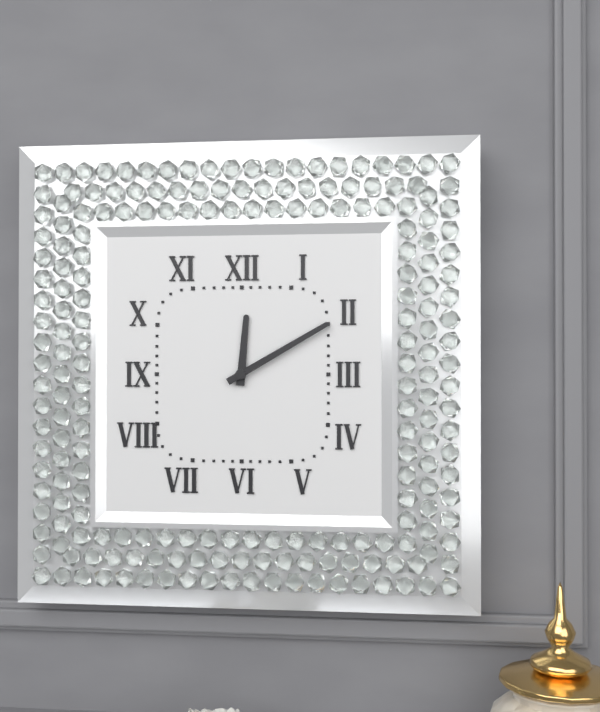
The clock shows {"hour": 12, "minute": 10}
